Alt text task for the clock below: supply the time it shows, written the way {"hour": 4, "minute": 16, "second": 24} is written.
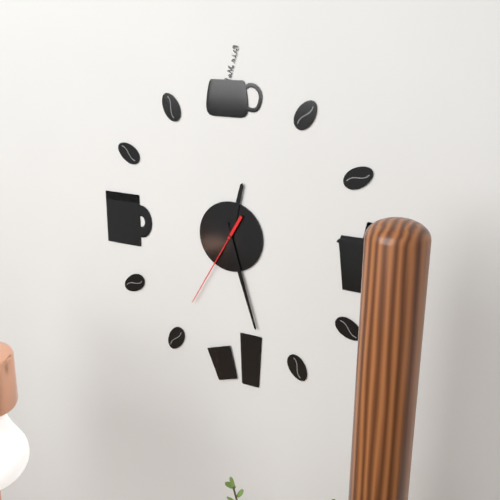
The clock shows {"hour": 12, "minute": 27, "second": 35}
